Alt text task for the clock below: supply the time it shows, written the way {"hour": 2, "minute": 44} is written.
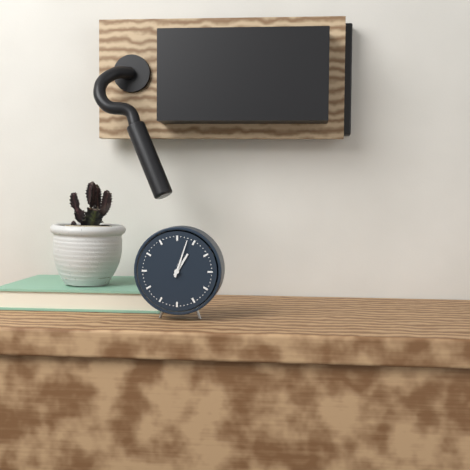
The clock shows {"hour": 1, "minute": 3}
